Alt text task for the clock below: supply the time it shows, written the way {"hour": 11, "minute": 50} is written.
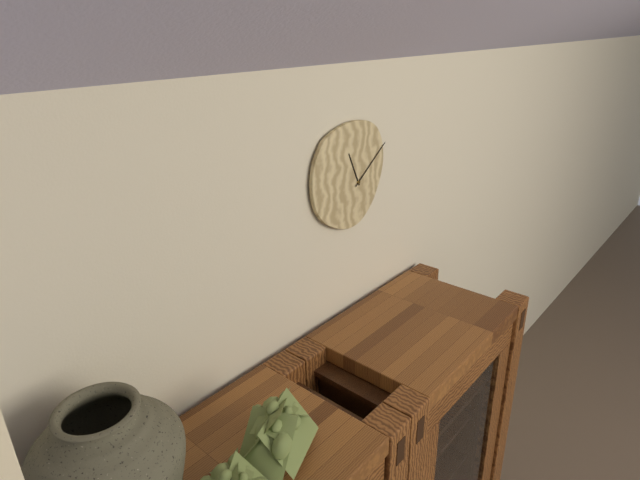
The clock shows {"hour": 11, "minute": 9}
